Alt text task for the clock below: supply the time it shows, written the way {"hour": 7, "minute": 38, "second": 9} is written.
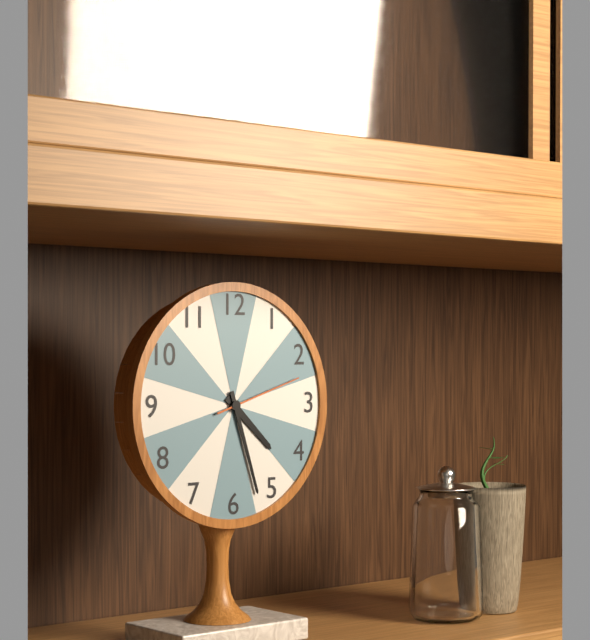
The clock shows {"hour": 4, "minute": 27, "second": 12}
